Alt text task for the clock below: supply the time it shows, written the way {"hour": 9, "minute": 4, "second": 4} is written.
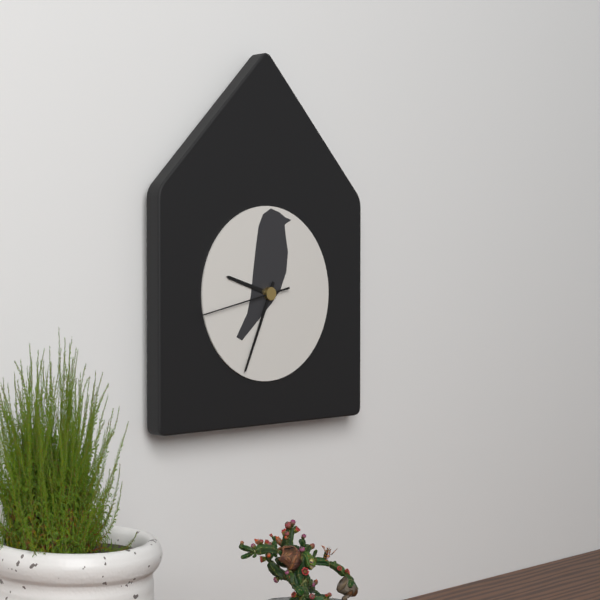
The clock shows {"hour": 9, "minute": 34, "second": 43}
